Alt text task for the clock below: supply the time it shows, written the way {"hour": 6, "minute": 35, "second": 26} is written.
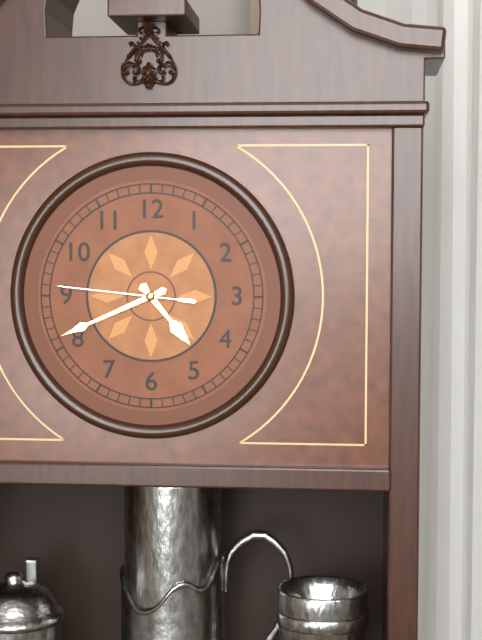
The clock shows {"hour": 4, "minute": 41, "second": 46}
